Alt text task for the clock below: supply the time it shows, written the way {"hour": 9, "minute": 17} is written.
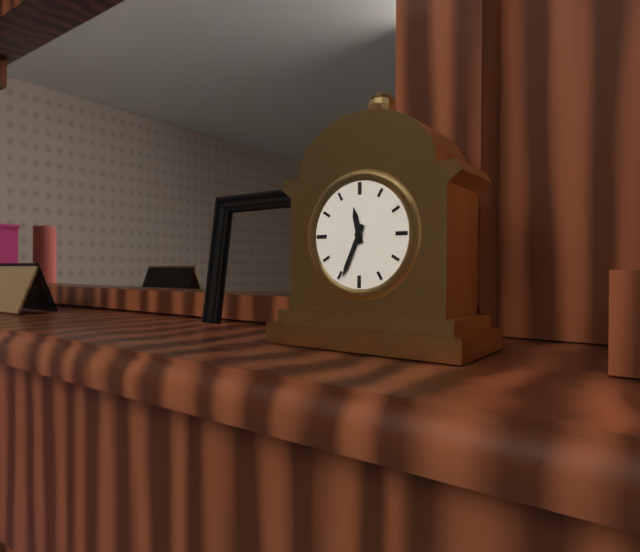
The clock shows {"hour": 11, "minute": 34}
